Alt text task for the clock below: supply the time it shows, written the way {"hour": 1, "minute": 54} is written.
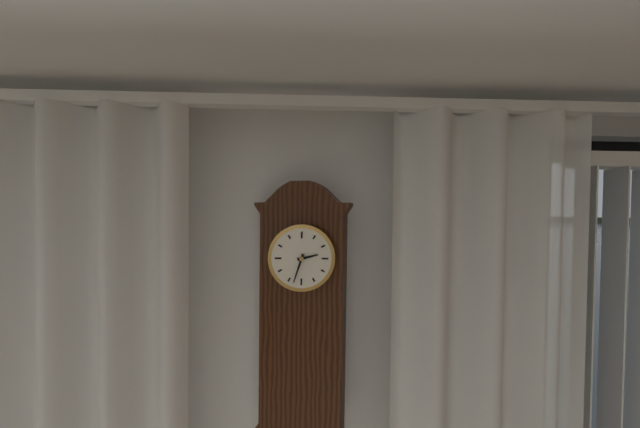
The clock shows {"hour": 2, "minute": 33}
